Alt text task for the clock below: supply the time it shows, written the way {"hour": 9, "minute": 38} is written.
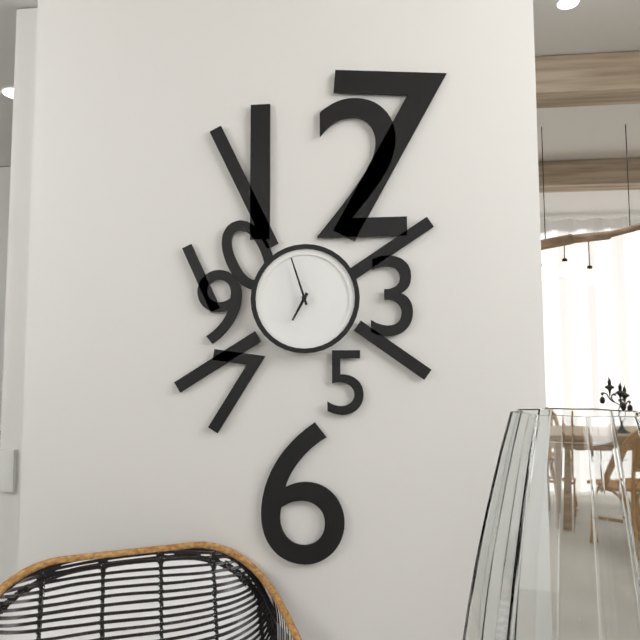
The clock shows {"hour": 6, "minute": 57}
